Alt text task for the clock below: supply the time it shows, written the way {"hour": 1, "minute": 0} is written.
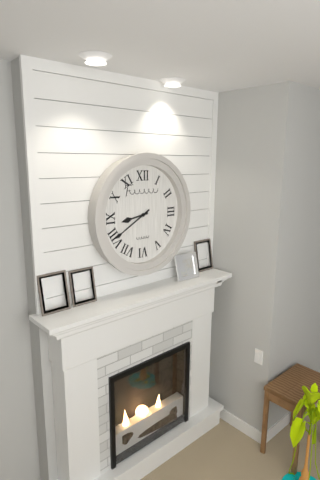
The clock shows {"hour": 8, "minute": 40}
